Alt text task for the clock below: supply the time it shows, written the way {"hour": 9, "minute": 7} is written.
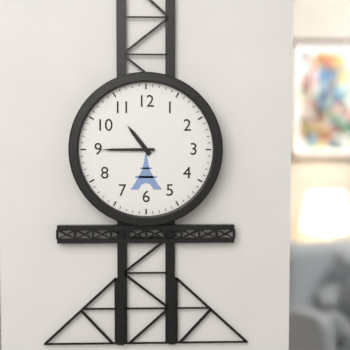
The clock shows {"hour": 10, "minute": 45}
